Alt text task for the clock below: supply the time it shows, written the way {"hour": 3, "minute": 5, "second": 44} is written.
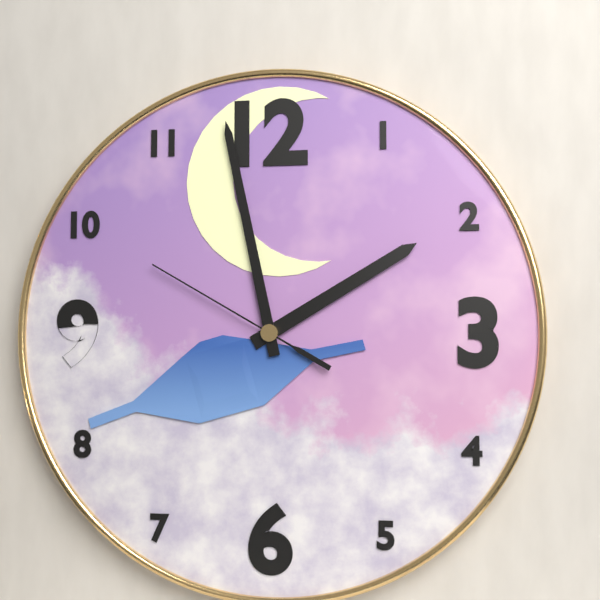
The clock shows {"hour": 1, "minute": 58, "second": 50}
